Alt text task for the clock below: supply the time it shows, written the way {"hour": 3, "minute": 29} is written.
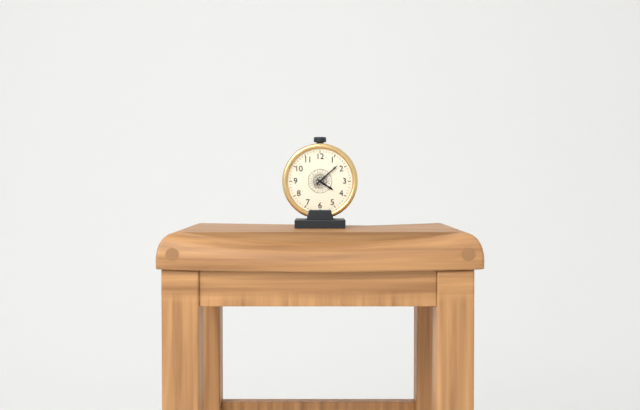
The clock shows {"hour": 4, "minute": 8}
